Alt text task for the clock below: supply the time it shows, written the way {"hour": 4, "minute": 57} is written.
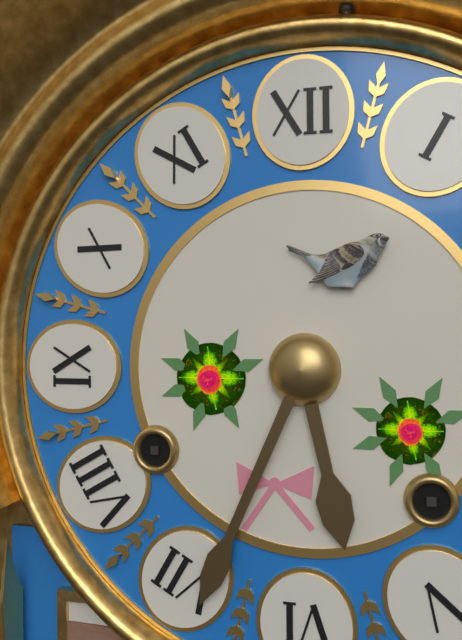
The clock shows {"hour": 5, "minute": 34}
